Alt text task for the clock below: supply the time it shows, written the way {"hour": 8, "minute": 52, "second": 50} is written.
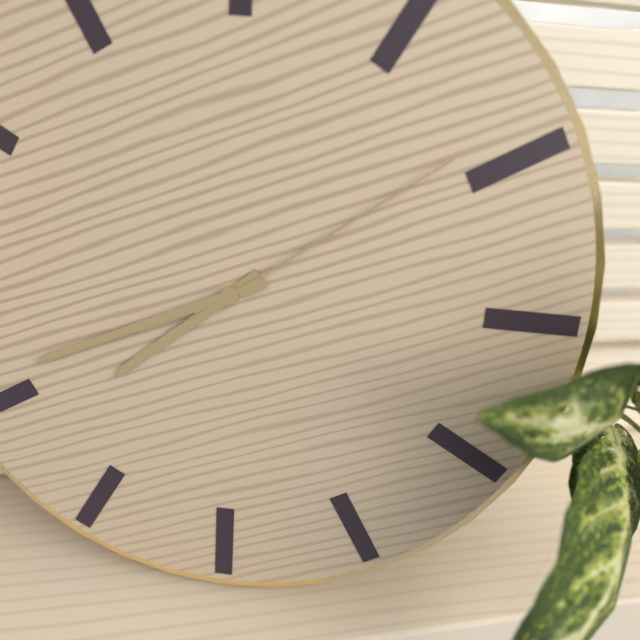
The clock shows {"hour": 7, "minute": 41, "second": 9}
